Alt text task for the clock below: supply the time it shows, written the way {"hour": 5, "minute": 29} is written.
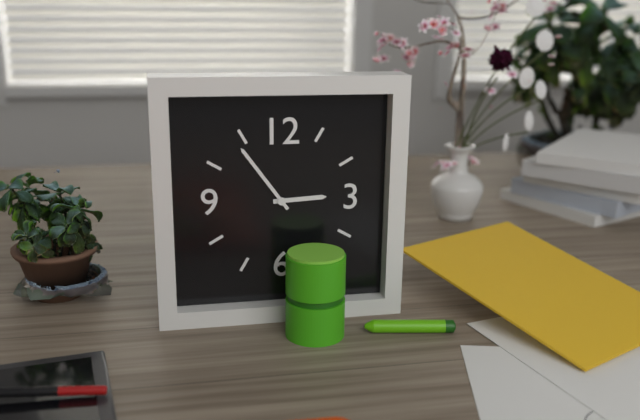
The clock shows {"hour": 2, "minute": 54}
